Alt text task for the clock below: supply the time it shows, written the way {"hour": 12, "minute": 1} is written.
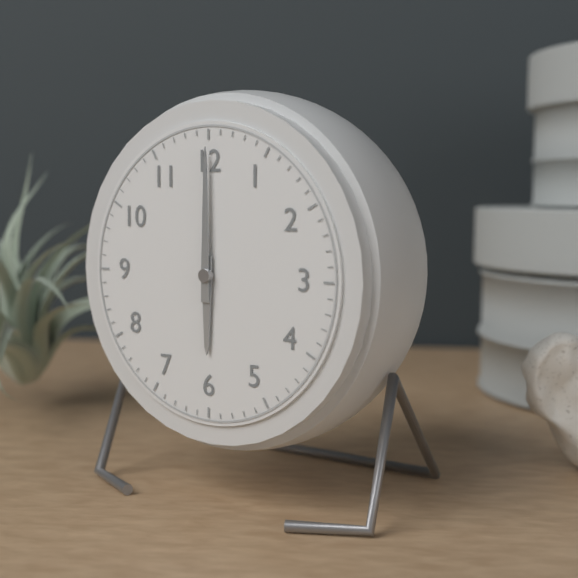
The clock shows {"hour": 6, "minute": 0}
